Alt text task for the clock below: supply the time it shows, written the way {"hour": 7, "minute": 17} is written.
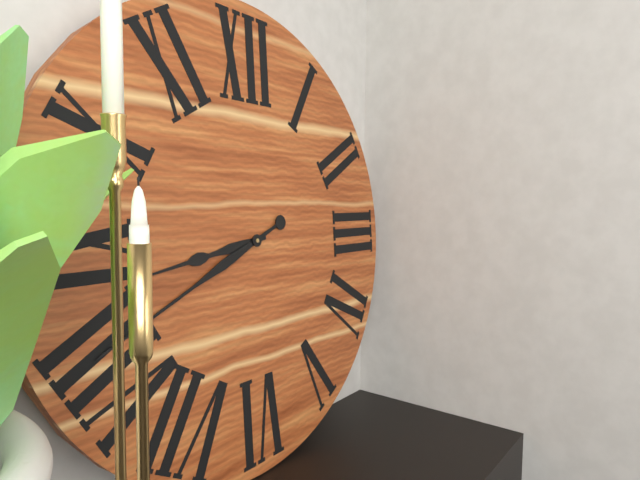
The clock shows {"hour": 8, "minute": 41}
